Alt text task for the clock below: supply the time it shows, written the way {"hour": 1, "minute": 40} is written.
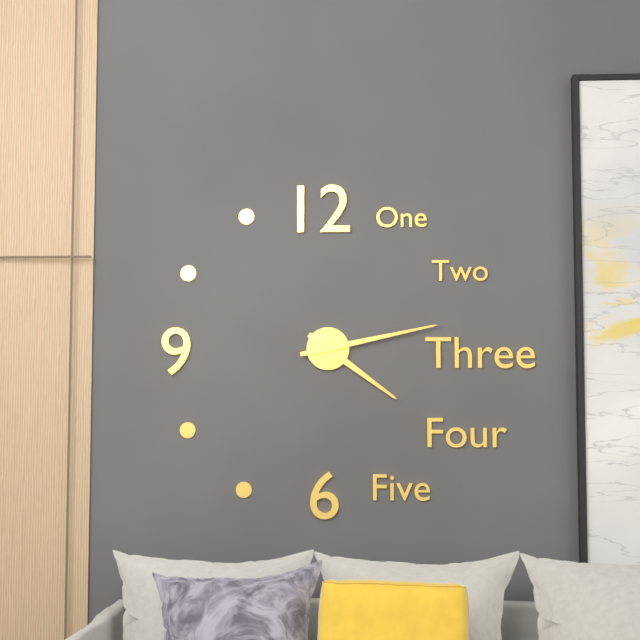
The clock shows {"hour": 4, "minute": 13}
